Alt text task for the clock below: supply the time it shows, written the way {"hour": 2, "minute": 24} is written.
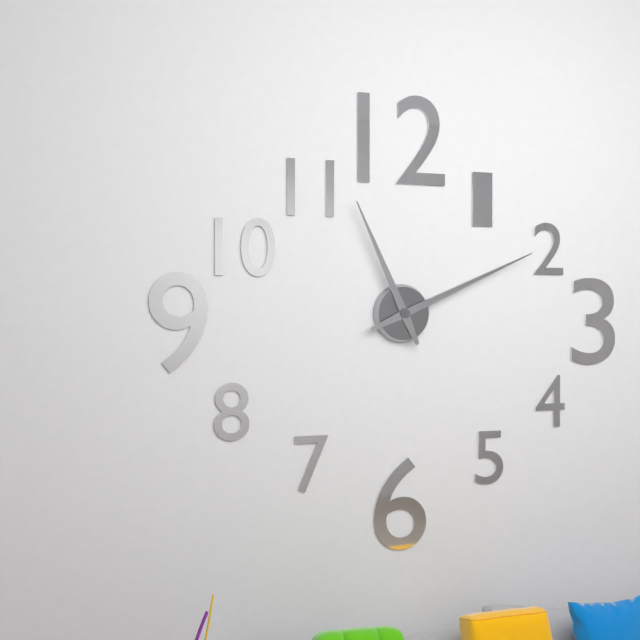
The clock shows {"hour": 11, "minute": 11}
